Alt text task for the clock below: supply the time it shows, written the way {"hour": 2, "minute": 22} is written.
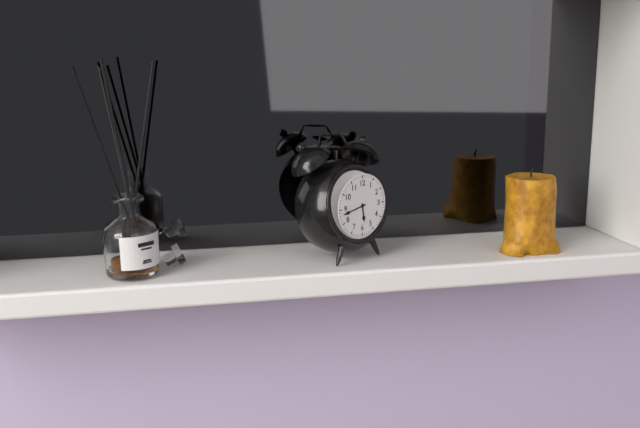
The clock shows {"hour": 5, "minute": 43}
